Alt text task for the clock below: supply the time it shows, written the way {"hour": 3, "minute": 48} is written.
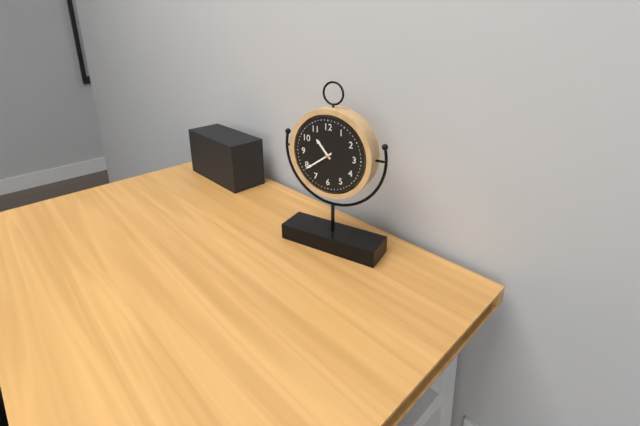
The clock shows {"hour": 10, "minute": 39}
